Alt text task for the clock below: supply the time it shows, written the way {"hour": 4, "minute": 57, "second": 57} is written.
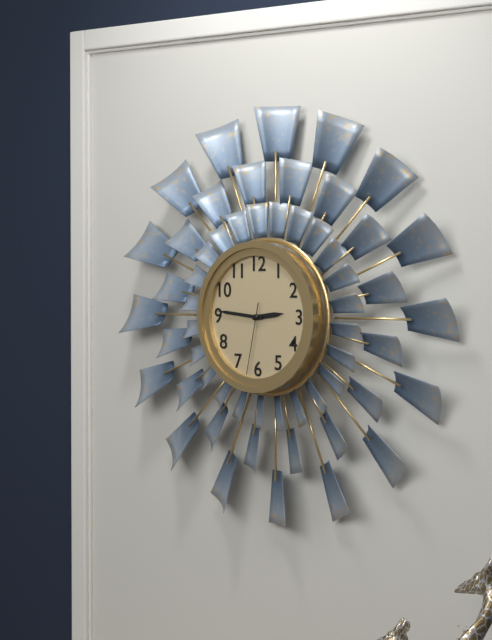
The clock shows {"hour": 2, "minute": 46, "second": 32}
